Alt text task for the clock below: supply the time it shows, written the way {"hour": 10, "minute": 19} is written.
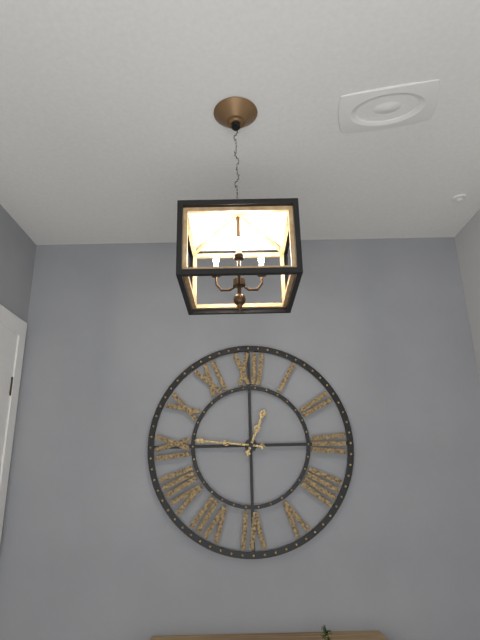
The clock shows {"hour": 12, "minute": 46}
